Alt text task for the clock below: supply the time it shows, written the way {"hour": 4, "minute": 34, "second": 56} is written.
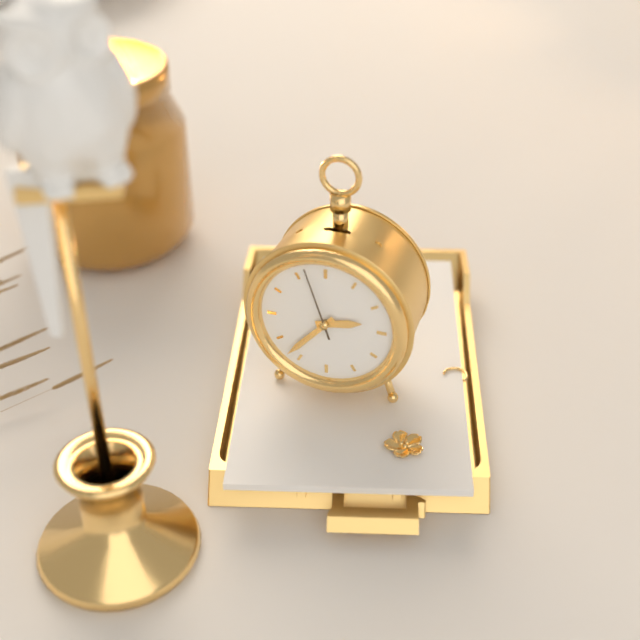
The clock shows {"hour": 2, "minute": 37, "second": 57}
